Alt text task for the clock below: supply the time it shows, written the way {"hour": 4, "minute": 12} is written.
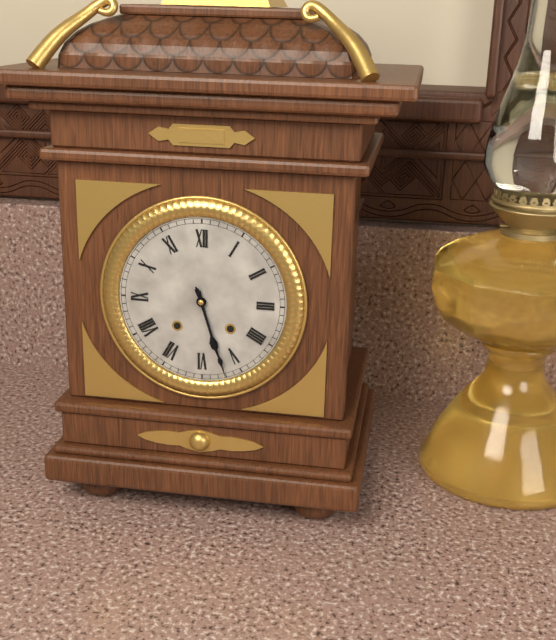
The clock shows {"hour": 5, "minute": 27}
